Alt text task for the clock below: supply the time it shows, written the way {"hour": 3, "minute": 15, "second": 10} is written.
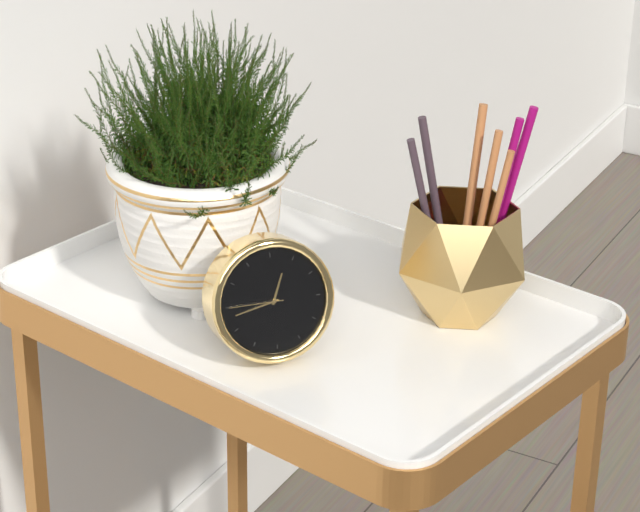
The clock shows {"hour": 12, "minute": 43, "second": 45}
